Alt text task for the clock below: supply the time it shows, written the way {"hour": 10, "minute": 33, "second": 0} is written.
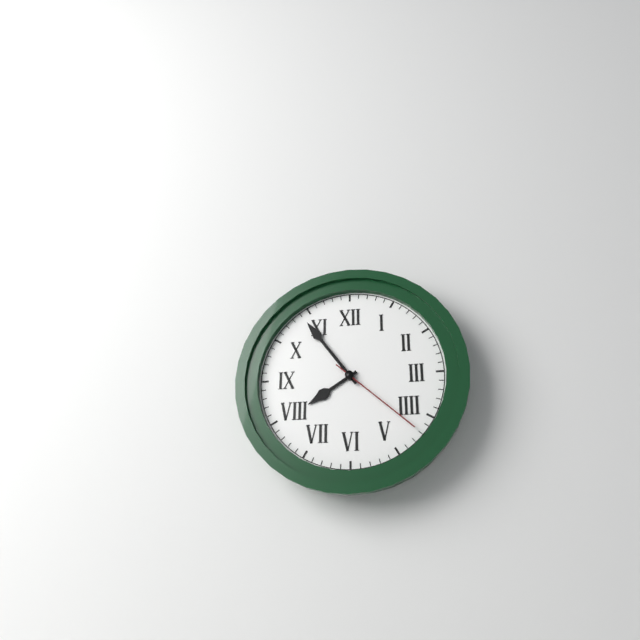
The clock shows {"hour": 7, "minute": 54, "second": 22}
